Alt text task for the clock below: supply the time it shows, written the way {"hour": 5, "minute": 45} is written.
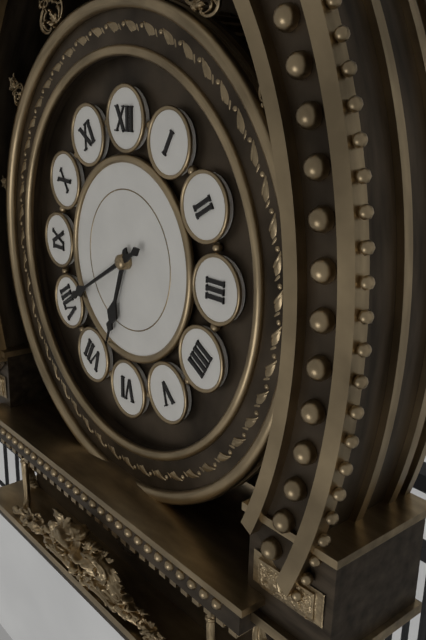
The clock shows {"hour": 6, "minute": 40}
